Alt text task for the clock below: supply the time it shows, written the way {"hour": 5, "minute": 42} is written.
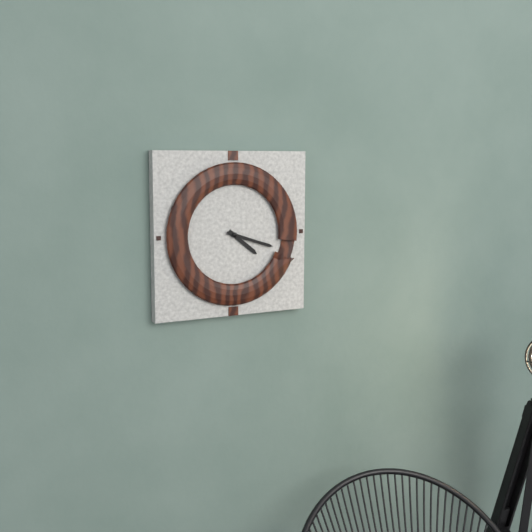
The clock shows {"hour": 4, "minute": 18}
